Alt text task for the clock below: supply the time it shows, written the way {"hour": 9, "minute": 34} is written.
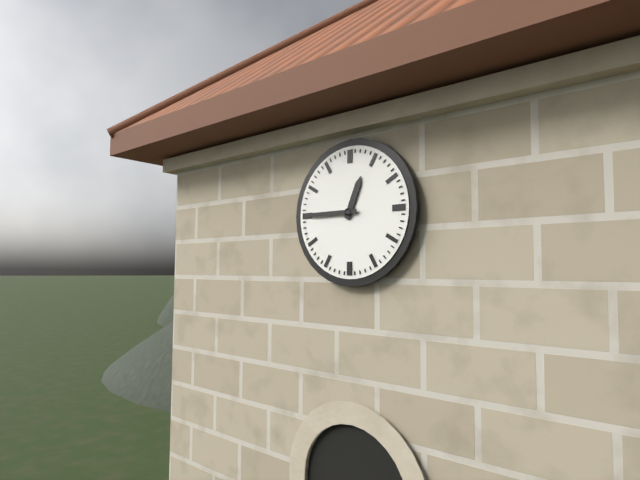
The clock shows {"hour": 12, "minute": 45}
